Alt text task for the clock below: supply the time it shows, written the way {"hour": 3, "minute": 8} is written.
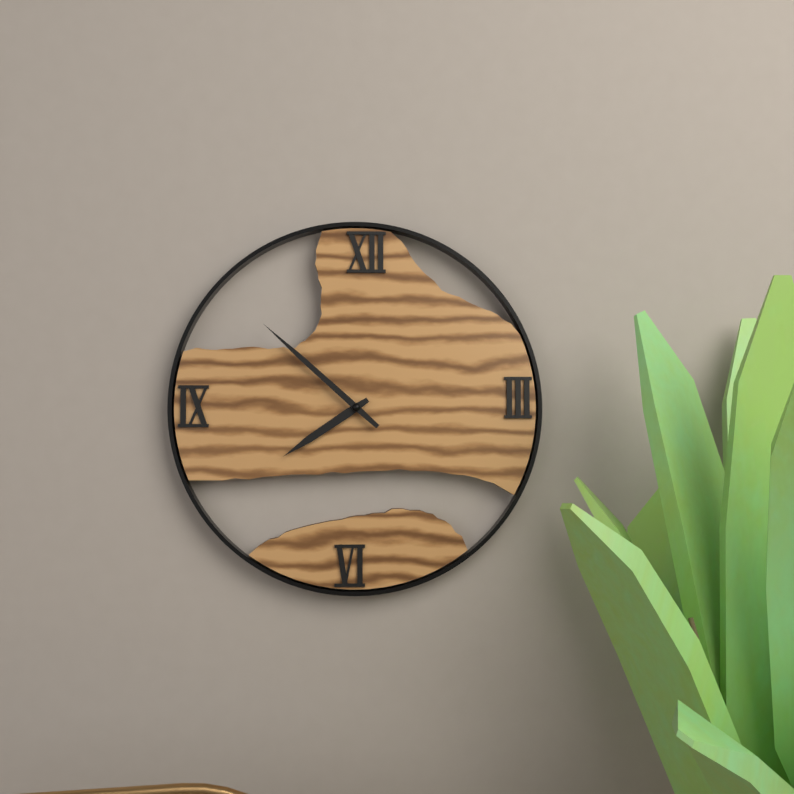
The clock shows {"hour": 7, "minute": 52}
